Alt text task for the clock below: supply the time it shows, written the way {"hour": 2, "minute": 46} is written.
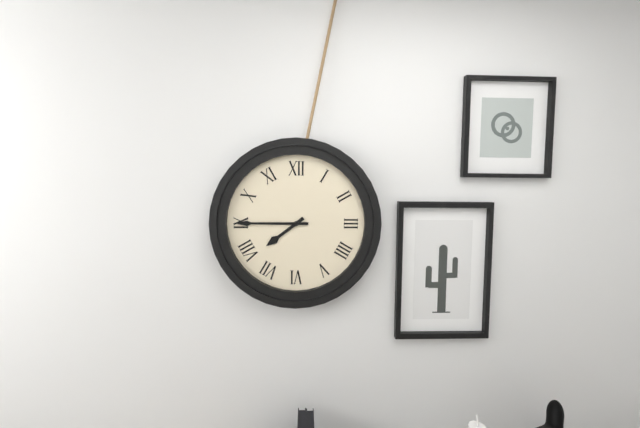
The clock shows {"hour": 7, "minute": 45}
